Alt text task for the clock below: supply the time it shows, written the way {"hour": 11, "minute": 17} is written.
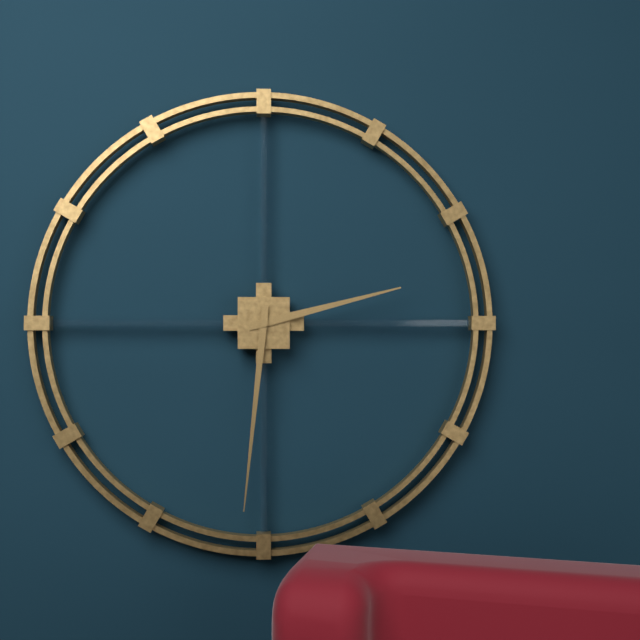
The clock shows {"hour": 2, "minute": 31}
